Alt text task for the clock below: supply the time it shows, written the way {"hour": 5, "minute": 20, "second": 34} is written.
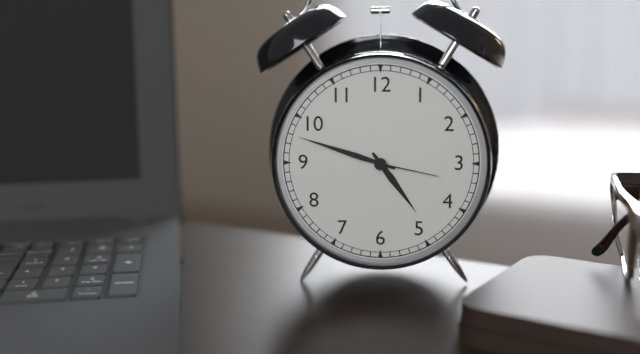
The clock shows {"hour": 4, "minute": 48, "second": 17}
